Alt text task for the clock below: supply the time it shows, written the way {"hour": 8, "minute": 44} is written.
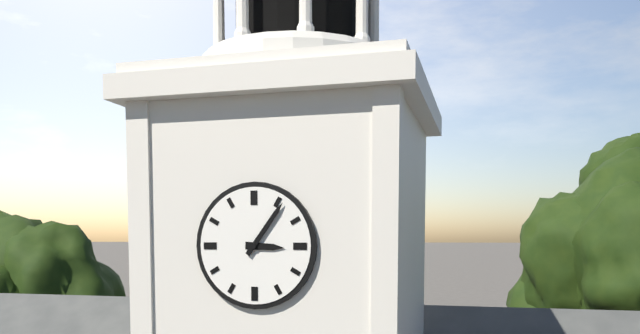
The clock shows {"hour": 3, "minute": 6}
